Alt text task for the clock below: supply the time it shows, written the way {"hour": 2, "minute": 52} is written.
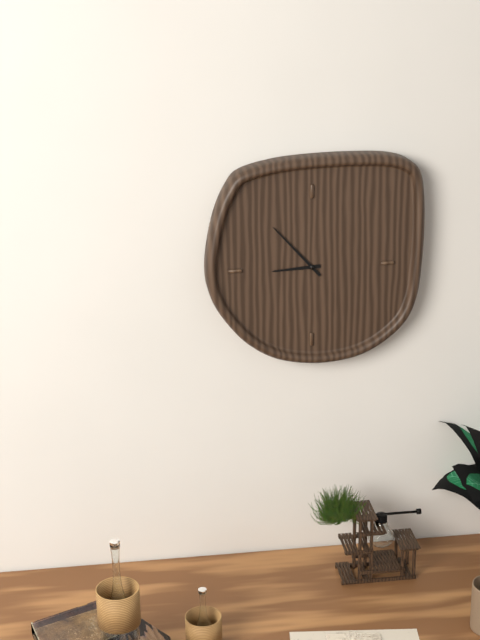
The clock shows {"hour": 8, "minute": 53}
